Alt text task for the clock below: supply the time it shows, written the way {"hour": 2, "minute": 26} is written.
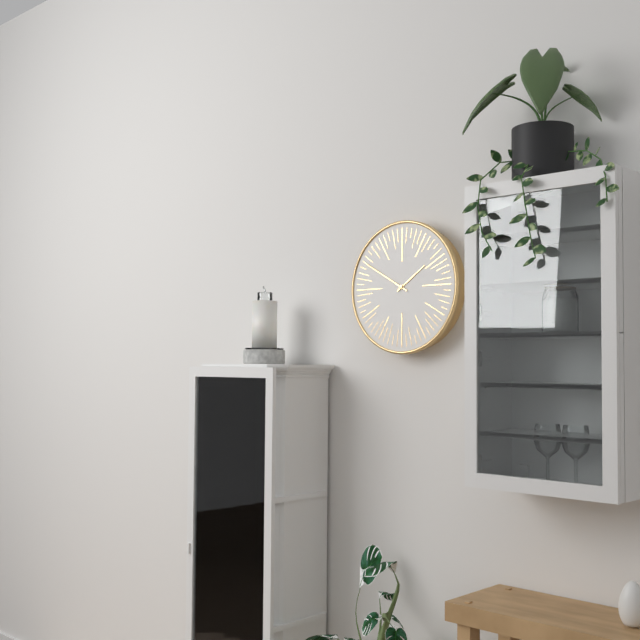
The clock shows {"hour": 1, "minute": 50}
